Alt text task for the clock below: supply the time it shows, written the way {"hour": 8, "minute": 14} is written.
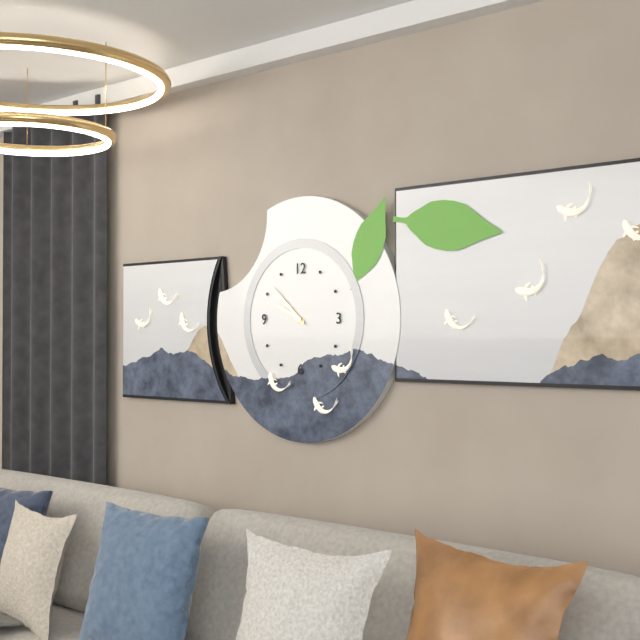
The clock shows {"hour": 9, "minute": 52}
